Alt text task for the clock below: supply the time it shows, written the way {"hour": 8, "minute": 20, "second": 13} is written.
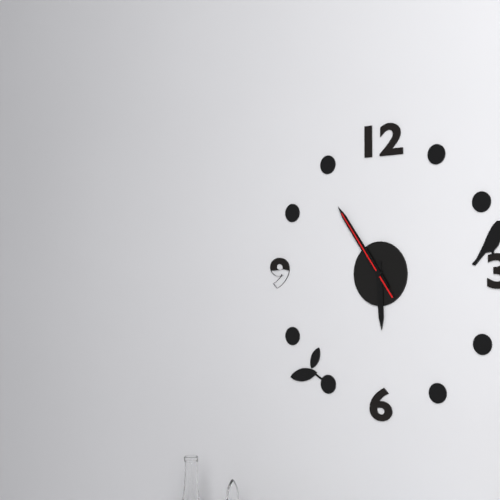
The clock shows {"hour": 5, "minute": 54, "second": 54}
